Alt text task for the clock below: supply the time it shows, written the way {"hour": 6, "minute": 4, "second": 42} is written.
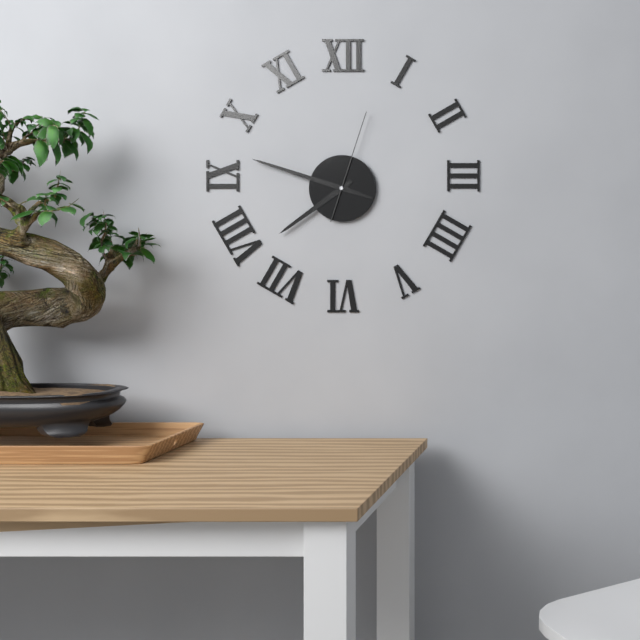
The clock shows {"hour": 7, "minute": 48, "second": 3}
